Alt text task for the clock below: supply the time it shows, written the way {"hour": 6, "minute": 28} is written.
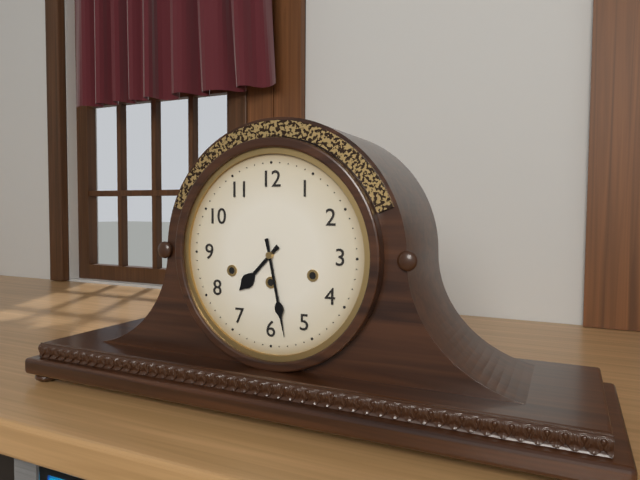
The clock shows {"hour": 7, "minute": 28}
